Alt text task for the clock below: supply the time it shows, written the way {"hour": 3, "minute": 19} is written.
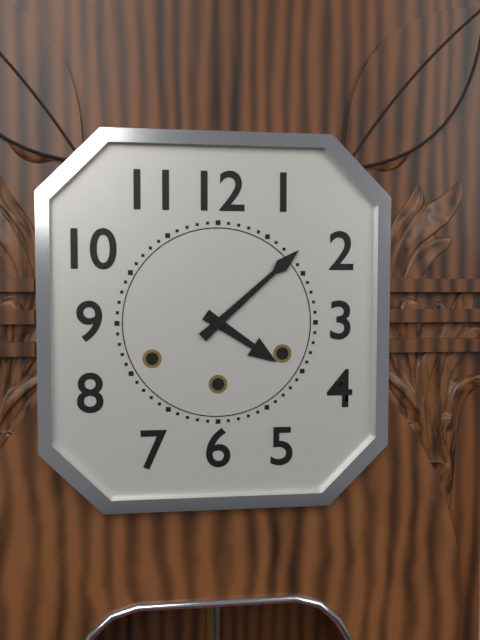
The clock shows {"hour": 4, "minute": 8}
